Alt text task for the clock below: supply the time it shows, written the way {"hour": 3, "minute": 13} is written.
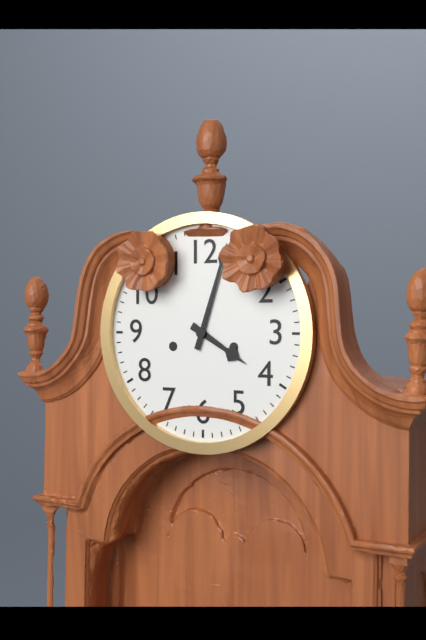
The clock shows {"hour": 4, "minute": 3}
